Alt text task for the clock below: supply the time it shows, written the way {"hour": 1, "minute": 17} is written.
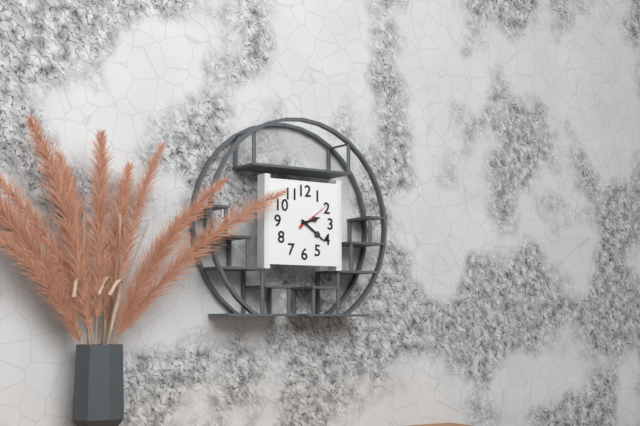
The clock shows {"hour": 2, "minute": 21}
